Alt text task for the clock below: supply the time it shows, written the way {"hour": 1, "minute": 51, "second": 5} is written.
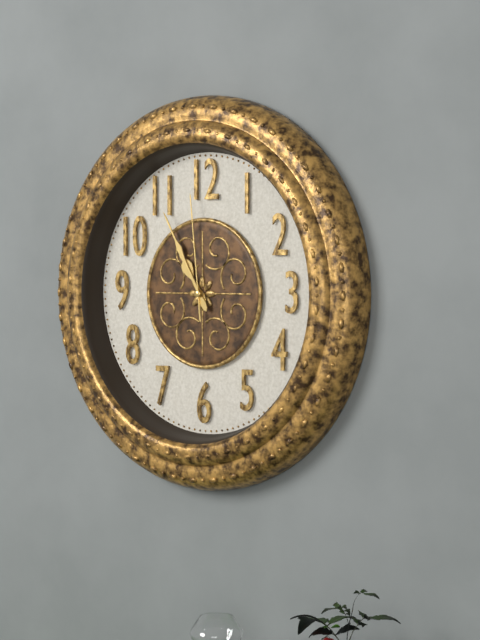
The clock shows {"hour": 10, "minute": 55, "second": 59}
